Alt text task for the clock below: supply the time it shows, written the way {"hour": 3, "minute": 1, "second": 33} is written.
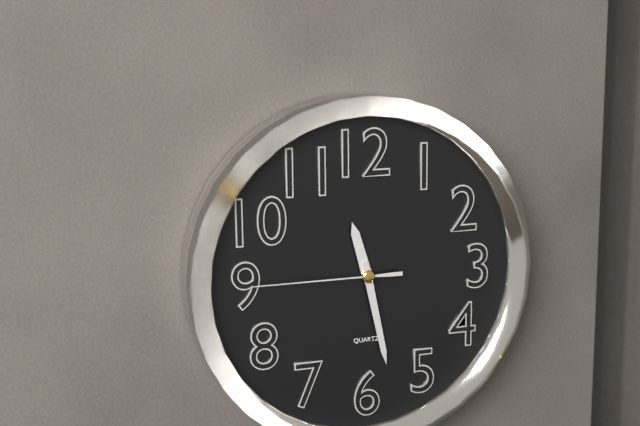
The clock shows {"hour": 11, "minute": 28, "second": 45}
